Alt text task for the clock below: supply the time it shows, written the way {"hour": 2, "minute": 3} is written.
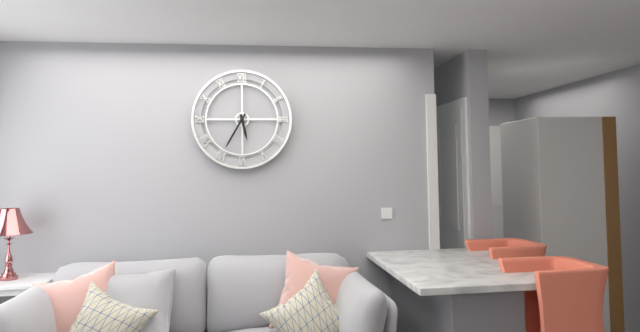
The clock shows {"hour": 5, "minute": 35}
